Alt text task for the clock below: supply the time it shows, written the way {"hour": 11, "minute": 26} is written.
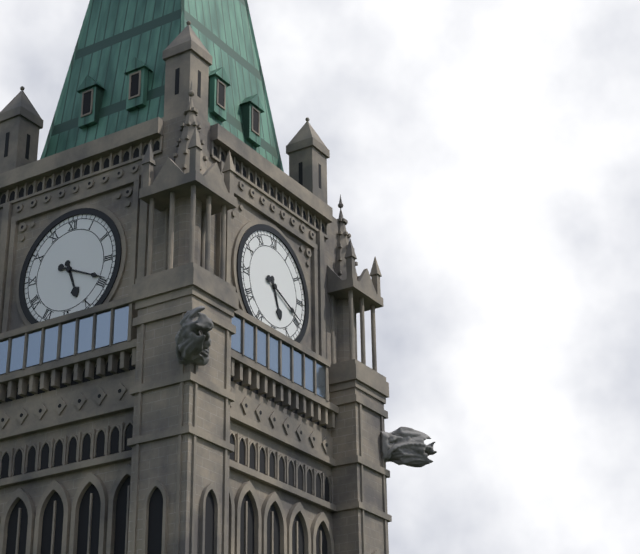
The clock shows {"hour": 5, "minute": 19}
